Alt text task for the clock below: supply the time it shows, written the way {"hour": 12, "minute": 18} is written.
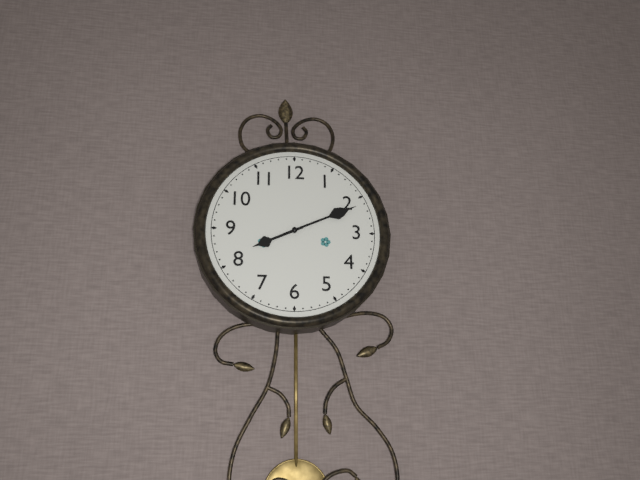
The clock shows {"hour": 8, "minute": 11}
